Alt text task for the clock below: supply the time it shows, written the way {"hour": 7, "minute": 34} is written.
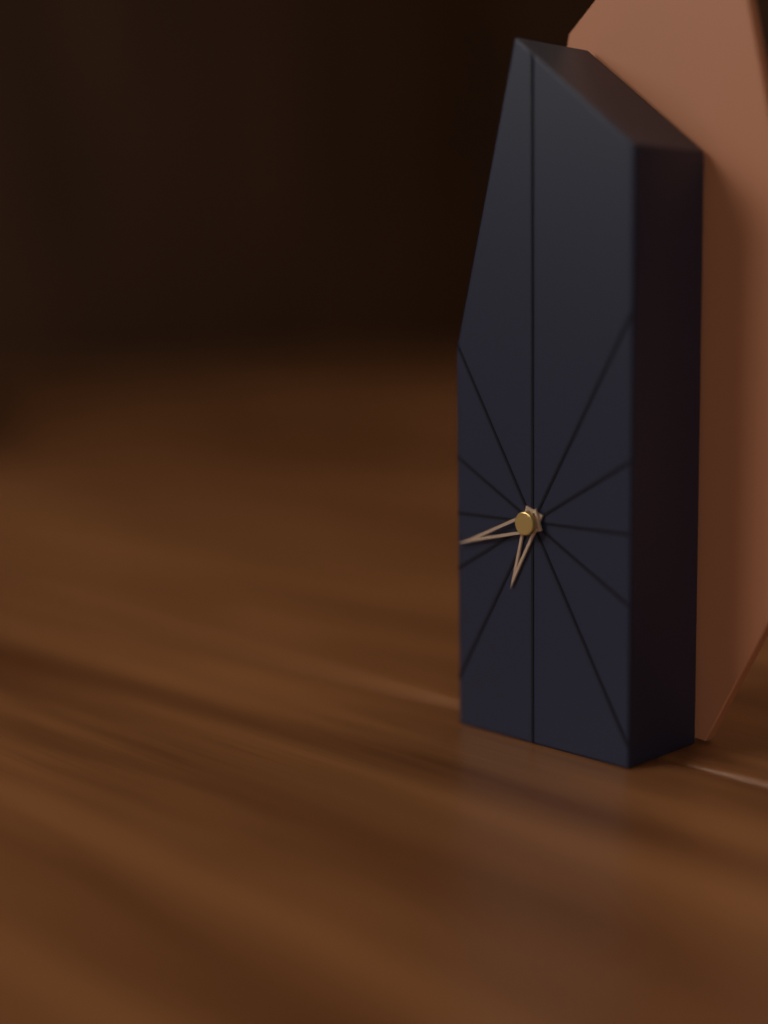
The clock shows {"hour": 6, "minute": 42}
